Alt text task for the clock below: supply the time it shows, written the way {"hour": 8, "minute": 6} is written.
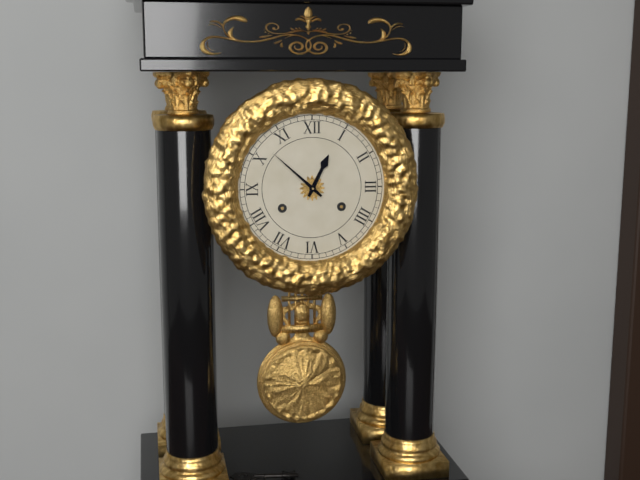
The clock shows {"hour": 12, "minute": 52}
